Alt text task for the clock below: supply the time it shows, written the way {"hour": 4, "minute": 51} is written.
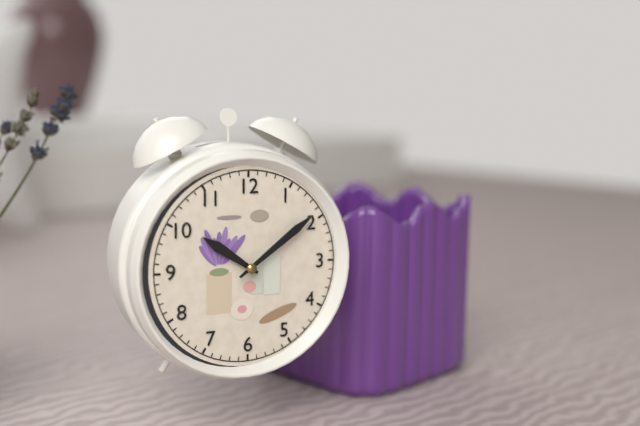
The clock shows {"hour": 10, "minute": 9}
